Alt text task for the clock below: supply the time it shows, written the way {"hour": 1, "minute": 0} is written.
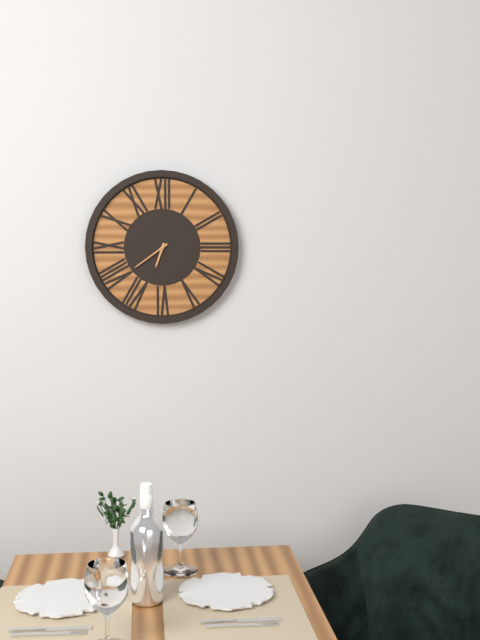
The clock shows {"hour": 6, "minute": 39}
